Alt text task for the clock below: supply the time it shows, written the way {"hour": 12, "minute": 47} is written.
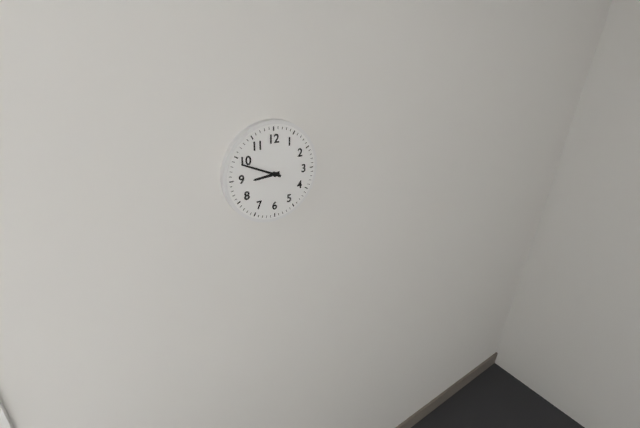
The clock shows {"hour": 8, "minute": 49}
